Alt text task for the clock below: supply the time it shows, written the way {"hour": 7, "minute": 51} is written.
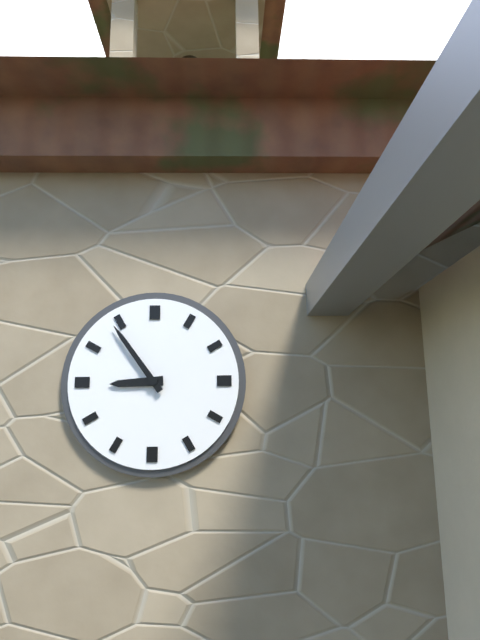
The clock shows {"hour": 8, "minute": 54}
